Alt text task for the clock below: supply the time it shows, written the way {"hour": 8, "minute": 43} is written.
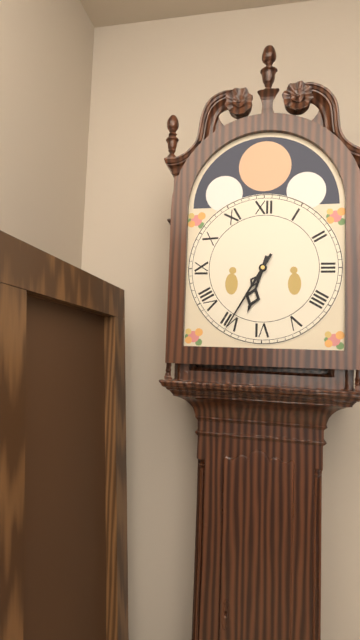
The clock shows {"hour": 6, "minute": 35}
